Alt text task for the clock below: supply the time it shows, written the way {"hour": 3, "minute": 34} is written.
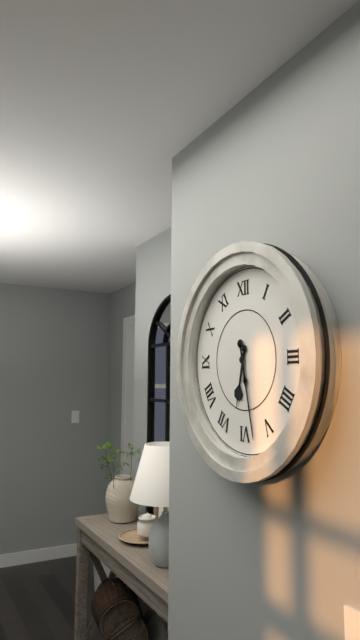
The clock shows {"hour": 6, "minute": 28}
